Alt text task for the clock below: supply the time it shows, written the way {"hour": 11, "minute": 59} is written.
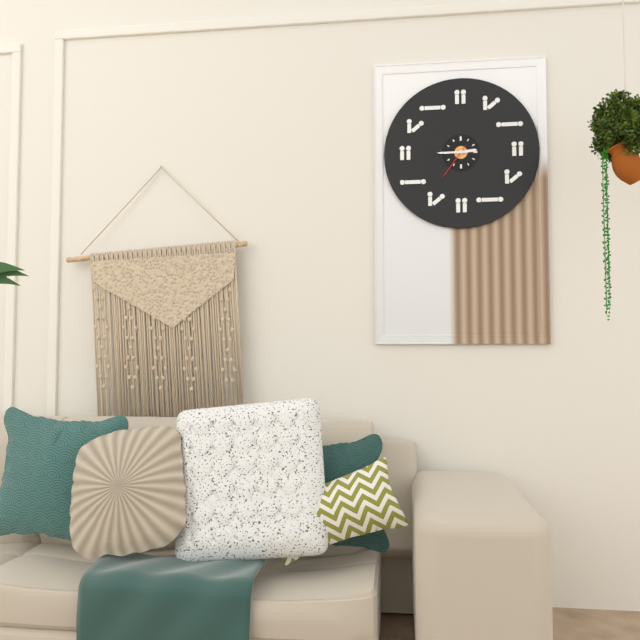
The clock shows {"hour": 2, "minute": 45}
